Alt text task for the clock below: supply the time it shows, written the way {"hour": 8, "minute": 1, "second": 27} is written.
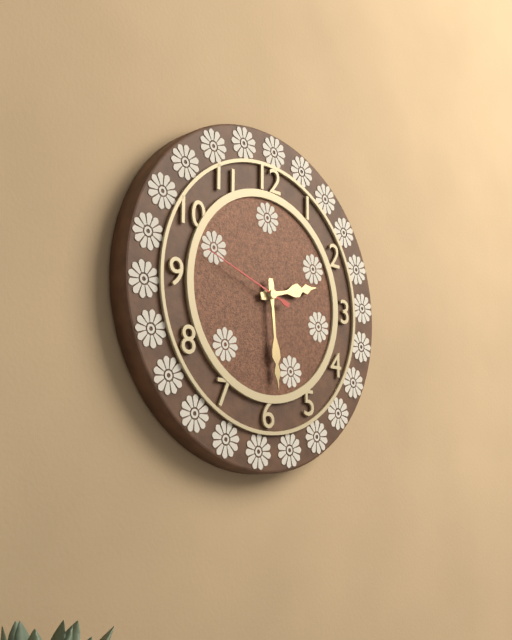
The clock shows {"hour": 2, "minute": 29, "second": 48}
